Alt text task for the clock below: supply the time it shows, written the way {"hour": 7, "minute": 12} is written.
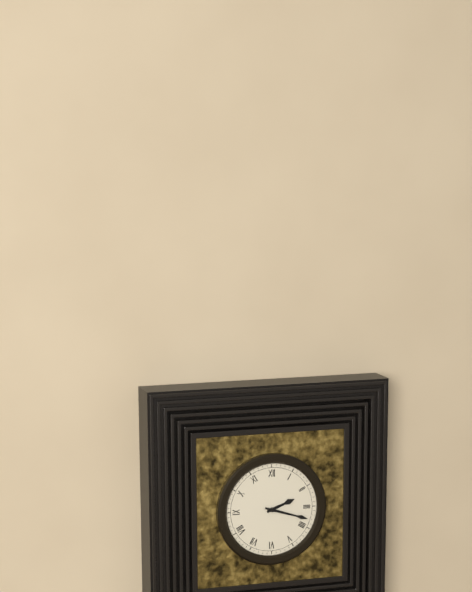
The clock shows {"hour": 2, "minute": 18}
